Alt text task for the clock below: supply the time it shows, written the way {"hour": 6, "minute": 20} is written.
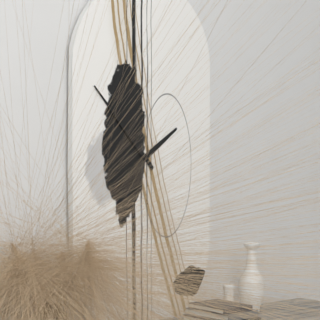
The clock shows {"hour": 1, "minute": 53}
